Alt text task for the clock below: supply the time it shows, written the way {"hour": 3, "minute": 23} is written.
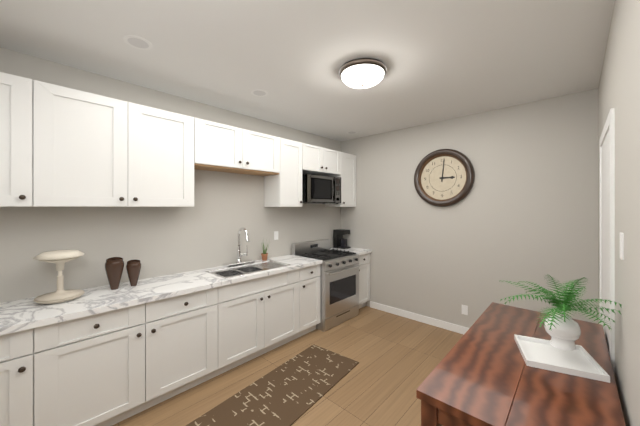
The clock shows {"hour": 3, "minute": 1}
